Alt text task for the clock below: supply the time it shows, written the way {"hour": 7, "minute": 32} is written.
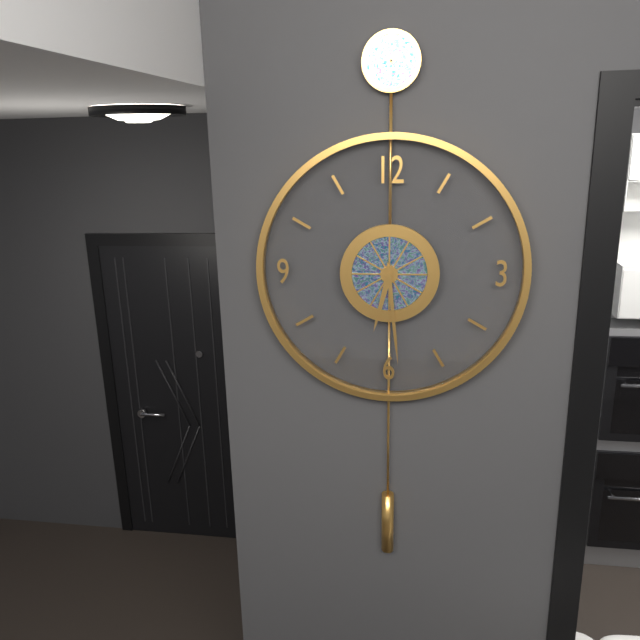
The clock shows {"hour": 6, "minute": 29}
